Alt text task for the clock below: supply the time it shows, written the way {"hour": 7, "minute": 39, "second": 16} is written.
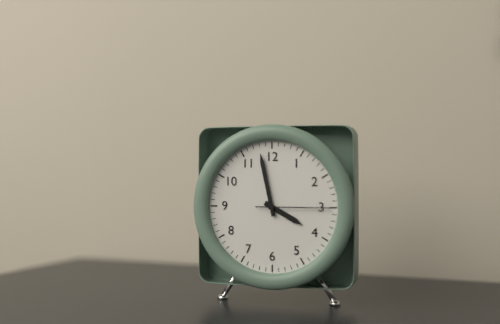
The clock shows {"hour": 3, "minute": 58, "second": 15}
